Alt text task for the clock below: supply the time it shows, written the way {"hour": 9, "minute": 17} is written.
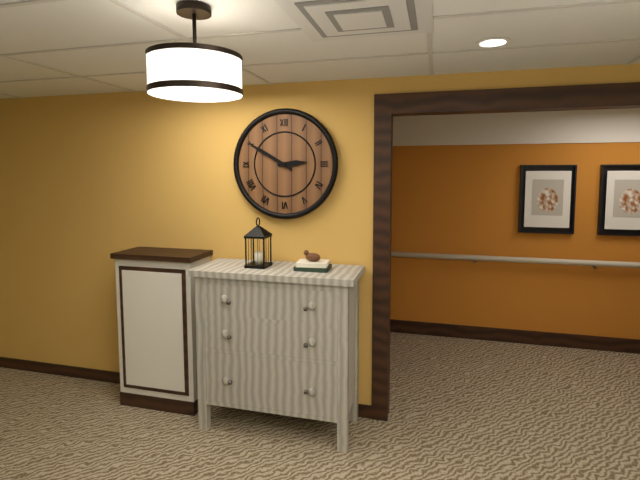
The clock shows {"hour": 2, "minute": 50}
